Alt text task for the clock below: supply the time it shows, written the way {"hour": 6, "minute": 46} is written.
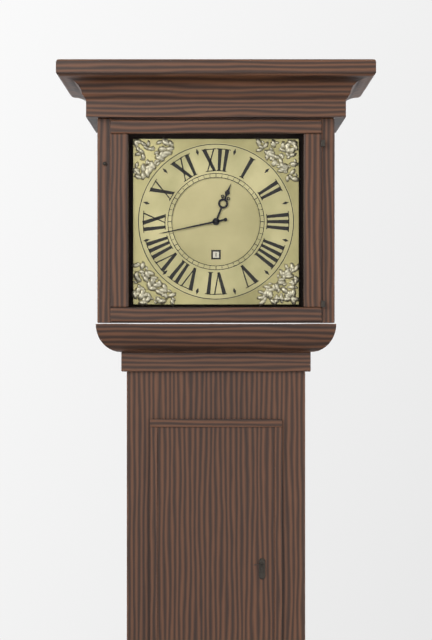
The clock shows {"hour": 12, "minute": 43}
